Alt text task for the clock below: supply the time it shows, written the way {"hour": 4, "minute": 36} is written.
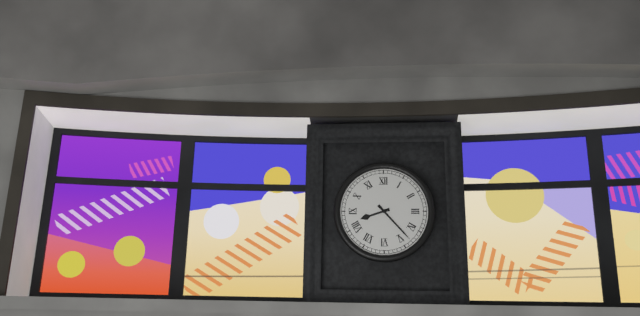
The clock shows {"hour": 8, "minute": 23}
